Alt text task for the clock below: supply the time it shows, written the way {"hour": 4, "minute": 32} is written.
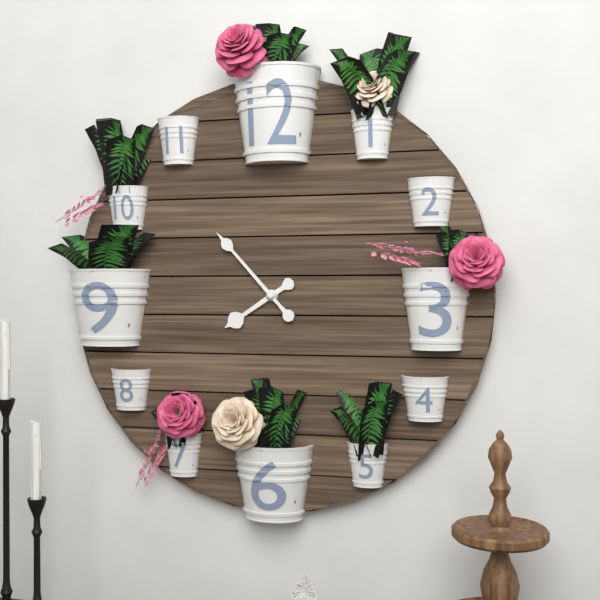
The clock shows {"hour": 7, "minute": 53}
